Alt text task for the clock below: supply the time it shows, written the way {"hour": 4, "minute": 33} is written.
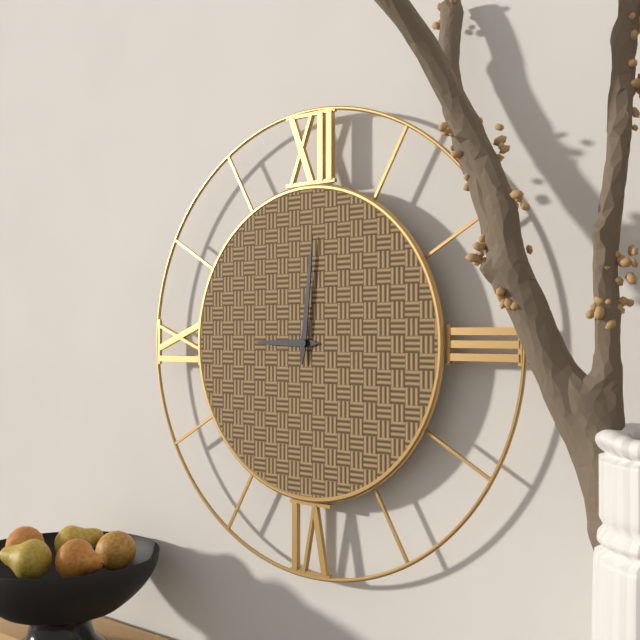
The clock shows {"hour": 9, "minute": 1}
